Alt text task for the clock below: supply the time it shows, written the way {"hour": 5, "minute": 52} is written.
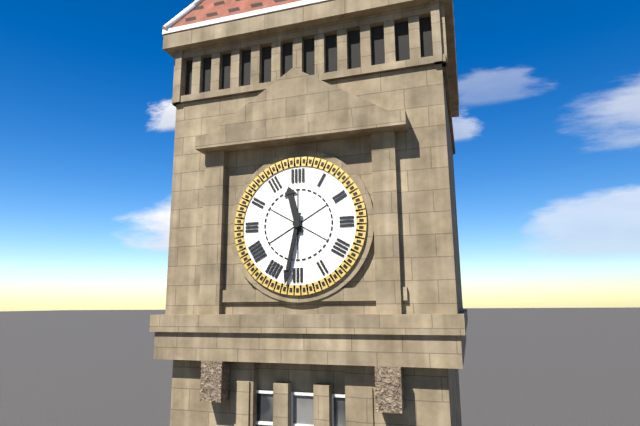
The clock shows {"hour": 11, "minute": 32}
